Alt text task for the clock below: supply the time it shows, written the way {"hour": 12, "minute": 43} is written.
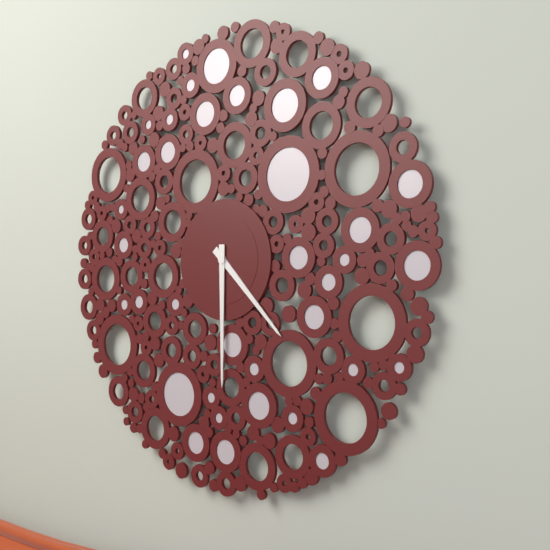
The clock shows {"hour": 4, "minute": 30}
